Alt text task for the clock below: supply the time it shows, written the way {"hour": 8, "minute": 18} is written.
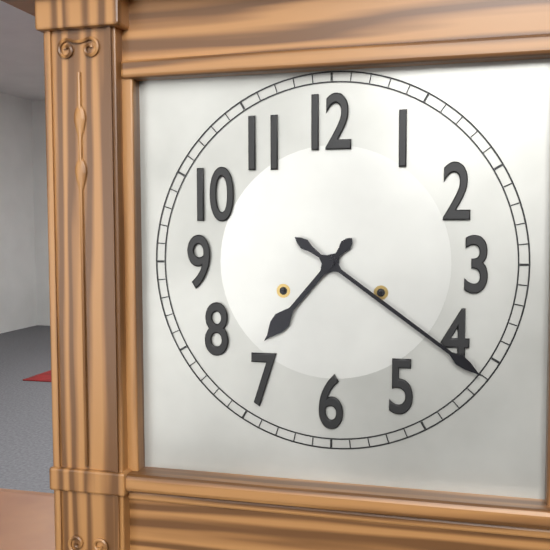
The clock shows {"hour": 7, "minute": 21}
